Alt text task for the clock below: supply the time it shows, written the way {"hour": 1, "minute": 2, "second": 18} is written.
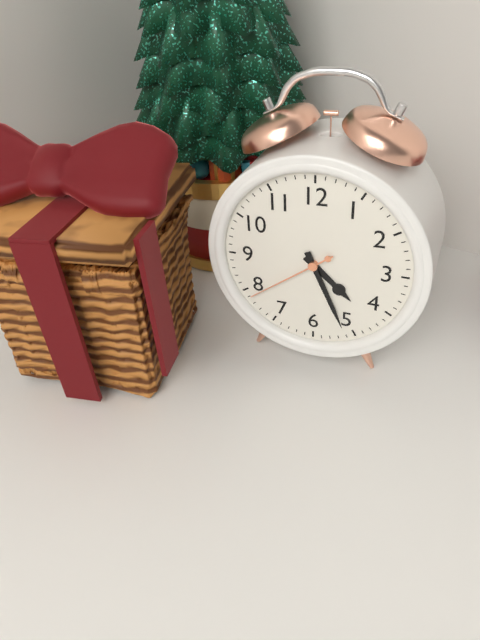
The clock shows {"hour": 4, "minute": 26, "second": 39}
